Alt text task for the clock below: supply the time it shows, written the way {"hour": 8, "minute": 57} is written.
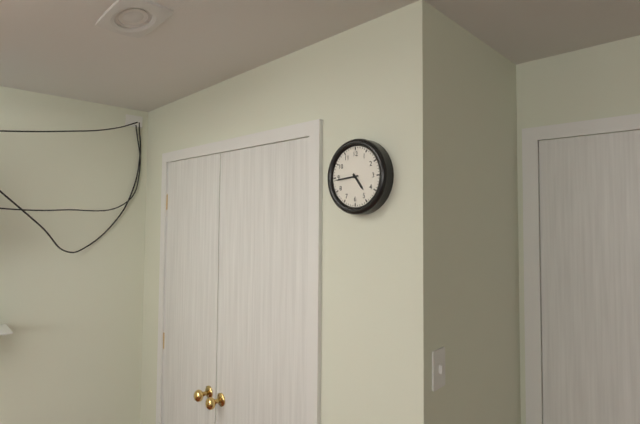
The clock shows {"hour": 4, "minute": 44}
